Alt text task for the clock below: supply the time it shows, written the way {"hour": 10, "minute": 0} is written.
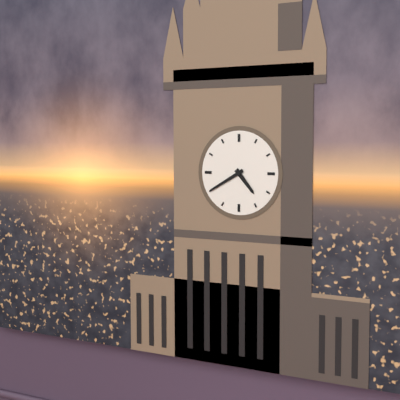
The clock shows {"hour": 4, "minute": 40}
